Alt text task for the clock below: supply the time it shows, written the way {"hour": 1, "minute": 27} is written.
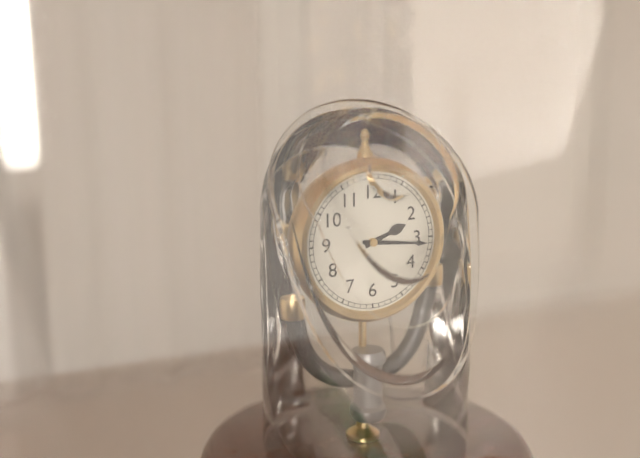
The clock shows {"hour": 2, "minute": 16}
